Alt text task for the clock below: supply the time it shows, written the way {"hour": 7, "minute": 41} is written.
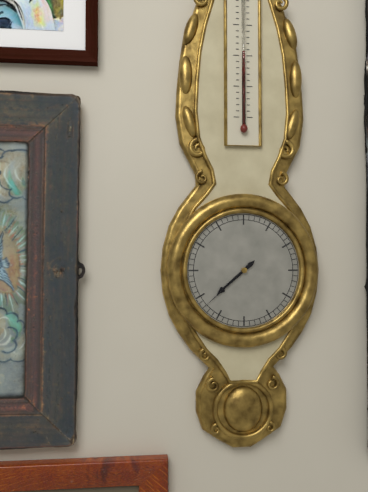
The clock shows {"hour": 7, "minute": 38}
